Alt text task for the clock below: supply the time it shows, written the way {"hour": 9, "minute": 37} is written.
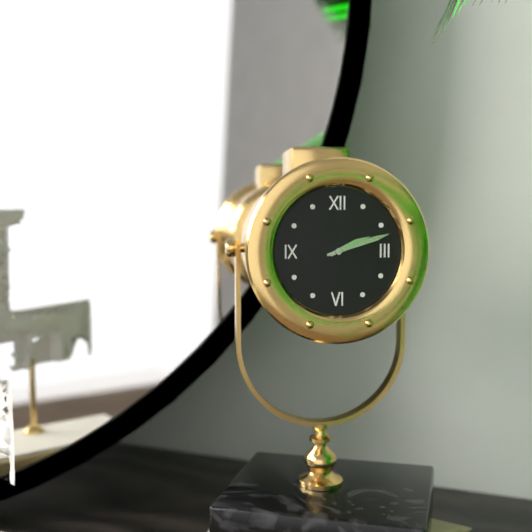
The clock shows {"hour": 2, "minute": 12}
